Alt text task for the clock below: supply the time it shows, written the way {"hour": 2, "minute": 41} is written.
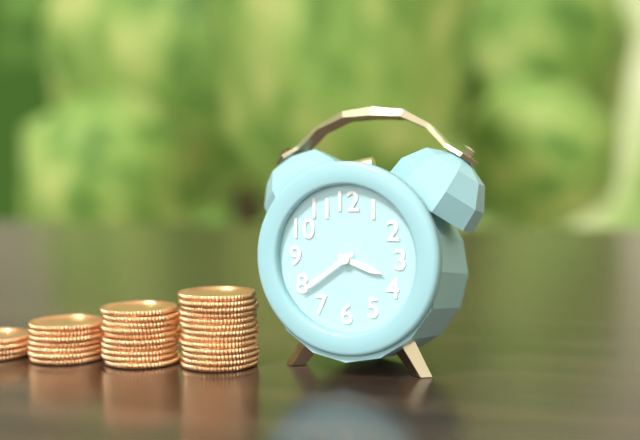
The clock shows {"hour": 3, "minute": 39}
